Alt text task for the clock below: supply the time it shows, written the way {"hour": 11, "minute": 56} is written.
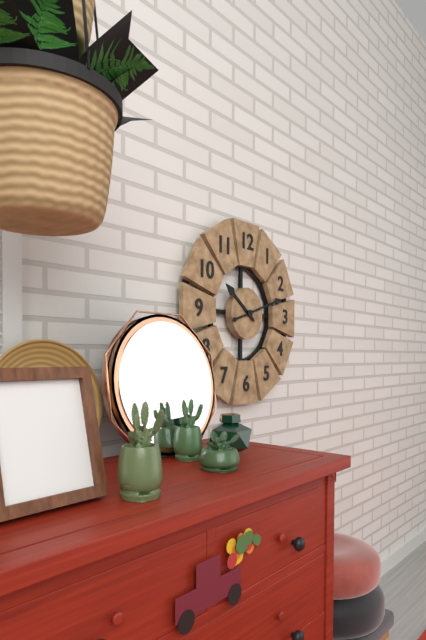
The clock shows {"hour": 10, "minute": 12}
